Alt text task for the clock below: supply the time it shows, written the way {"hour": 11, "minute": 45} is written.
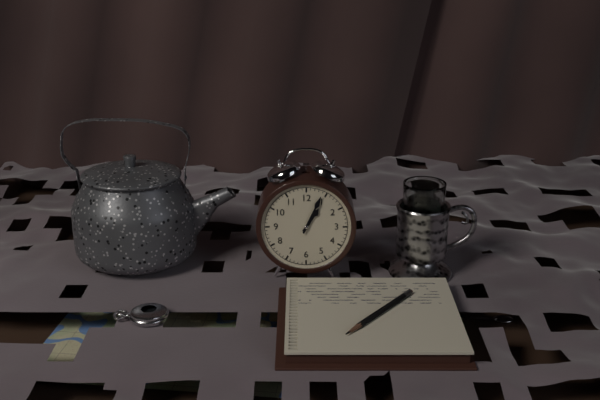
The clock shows {"hour": 1, "minute": 4}
